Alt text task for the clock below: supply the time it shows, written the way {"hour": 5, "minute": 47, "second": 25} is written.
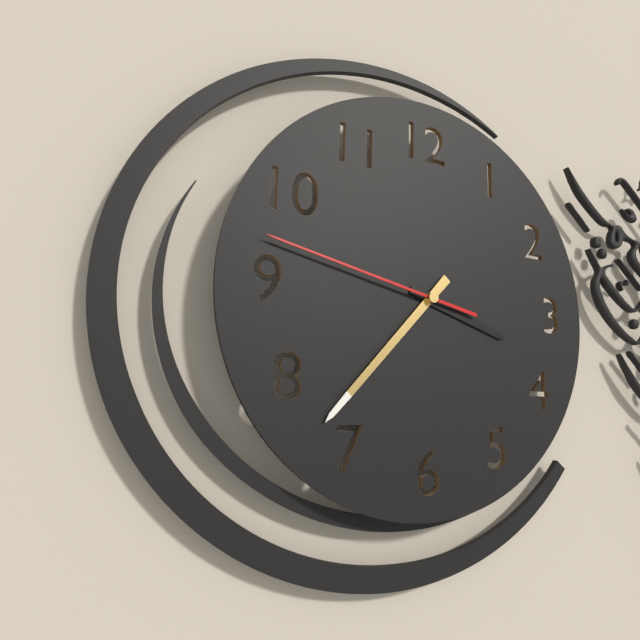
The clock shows {"hour": 3, "minute": 37, "second": 47}
